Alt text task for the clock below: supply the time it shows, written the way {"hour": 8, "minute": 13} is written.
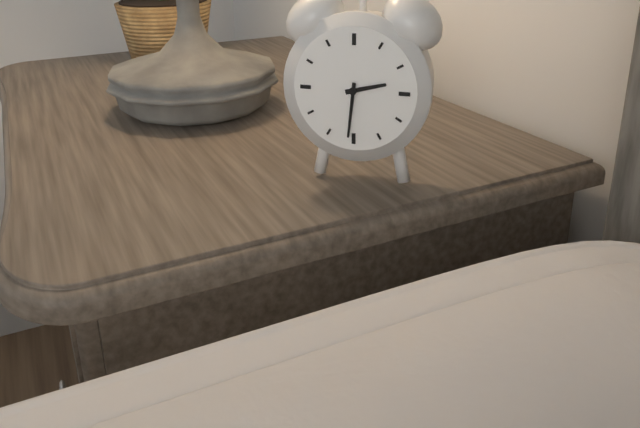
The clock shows {"hour": 2, "minute": 31}
